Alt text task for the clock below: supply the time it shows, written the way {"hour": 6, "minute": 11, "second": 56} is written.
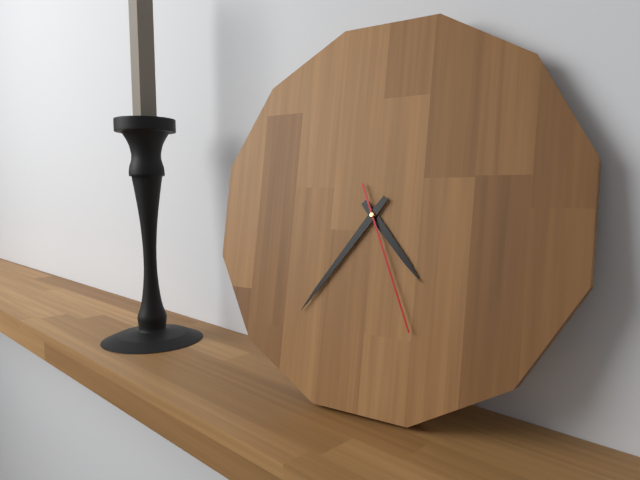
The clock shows {"hour": 4, "minute": 36, "second": 26}
